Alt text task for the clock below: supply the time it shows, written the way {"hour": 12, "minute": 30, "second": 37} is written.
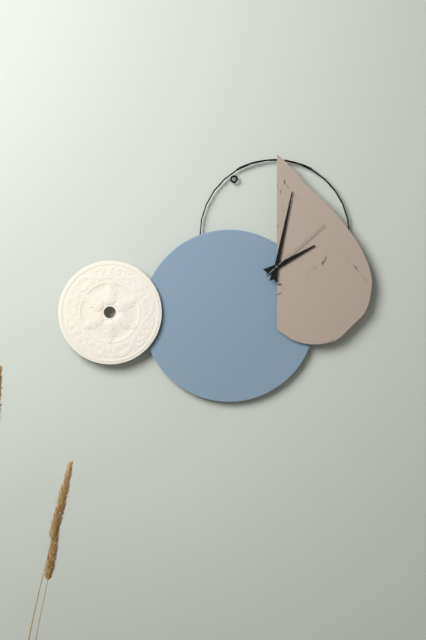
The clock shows {"hour": 2, "minute": 2, "second": 8}
